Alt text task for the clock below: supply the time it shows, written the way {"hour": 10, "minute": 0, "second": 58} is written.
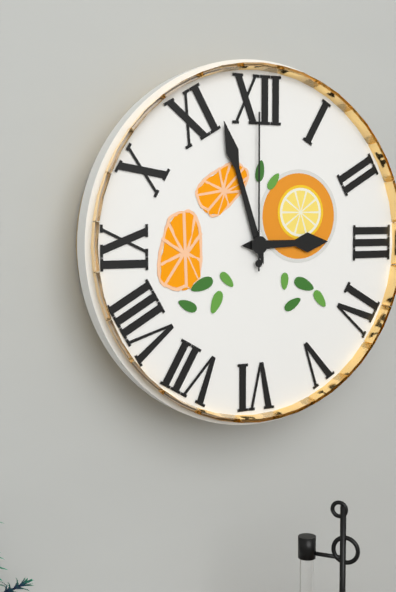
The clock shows {"hour": 2, "minute": 57, "second": 0}
